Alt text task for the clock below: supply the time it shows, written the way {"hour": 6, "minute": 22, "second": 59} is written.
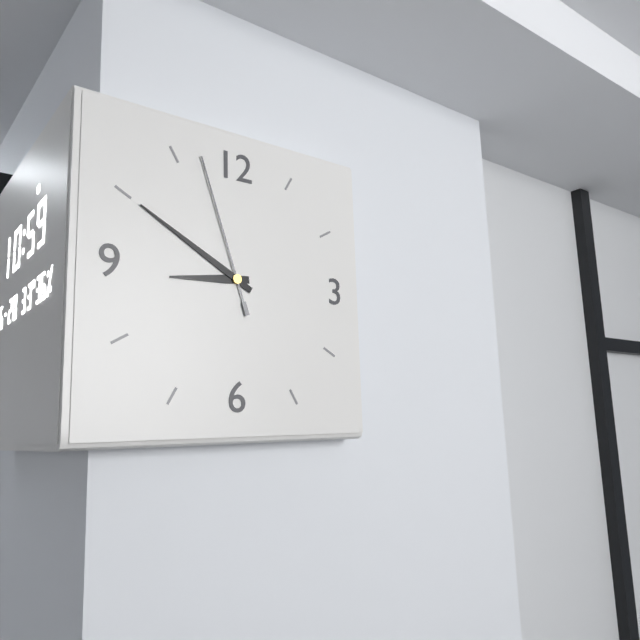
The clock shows {"hour": 8, "minute": 50, "second": 57}
